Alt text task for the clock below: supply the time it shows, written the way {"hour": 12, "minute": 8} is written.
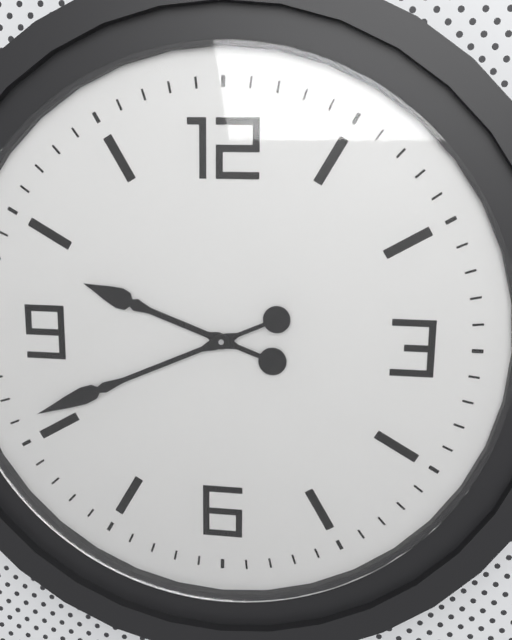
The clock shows {"hour": 9, "minute": 41}
